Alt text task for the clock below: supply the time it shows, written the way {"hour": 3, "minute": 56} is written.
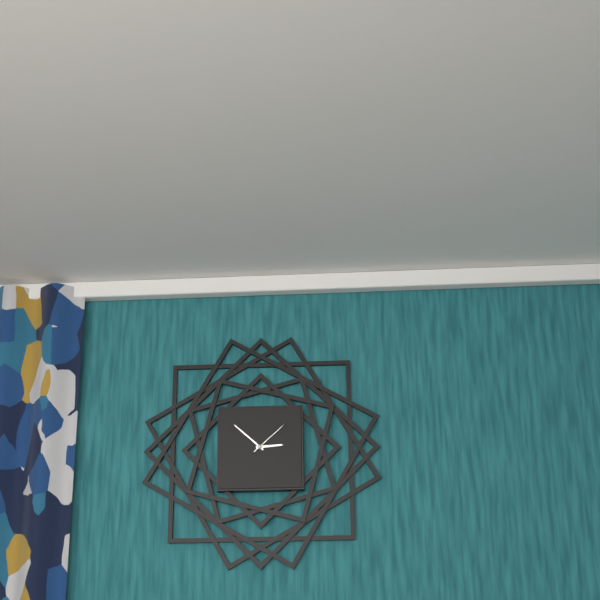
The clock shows {"hour": 2, "minute": 52}
